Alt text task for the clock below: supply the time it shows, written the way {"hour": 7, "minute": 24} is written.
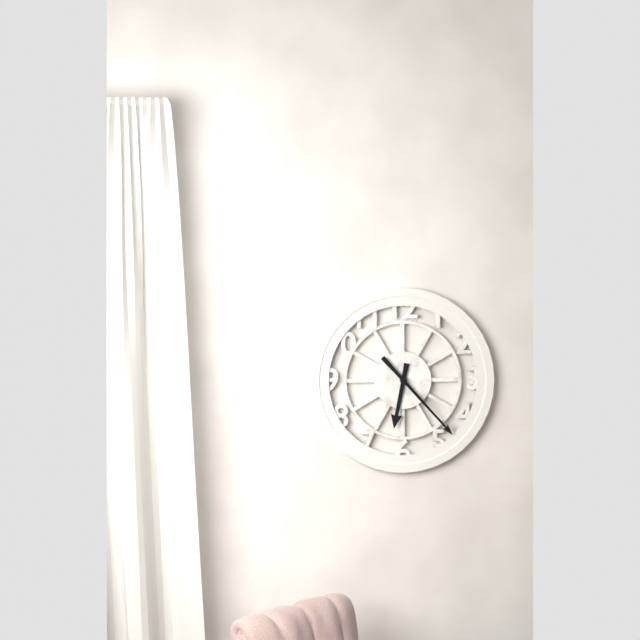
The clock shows {"hour": 6, "minute": 23}
